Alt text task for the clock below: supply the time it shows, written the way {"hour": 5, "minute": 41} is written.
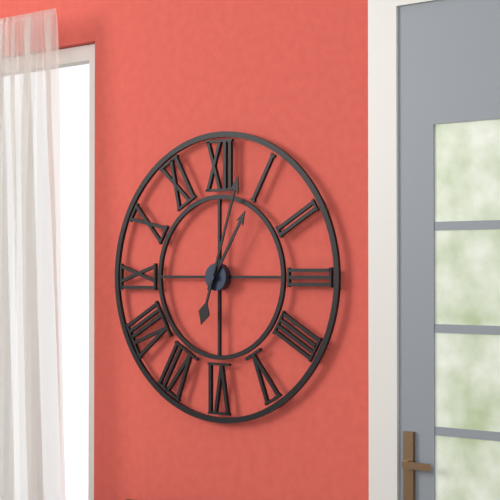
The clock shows {"hour": 1, "minute": 3}
